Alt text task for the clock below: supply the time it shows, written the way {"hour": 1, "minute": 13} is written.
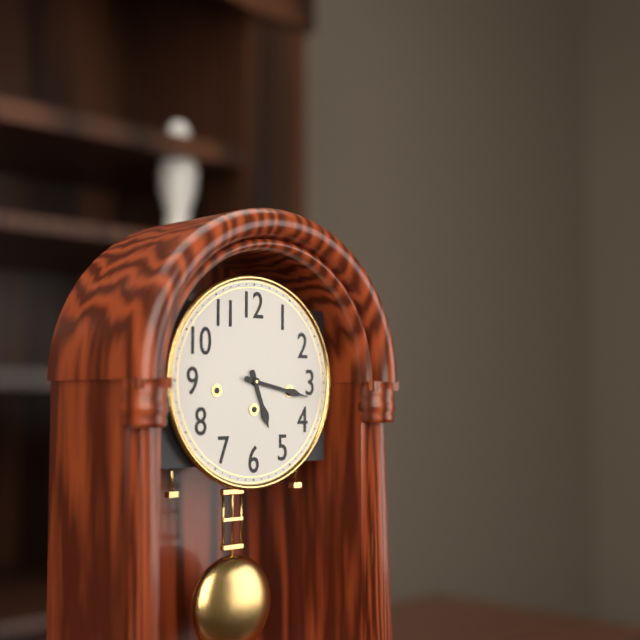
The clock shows {"hour": 5, "minute": 17}
